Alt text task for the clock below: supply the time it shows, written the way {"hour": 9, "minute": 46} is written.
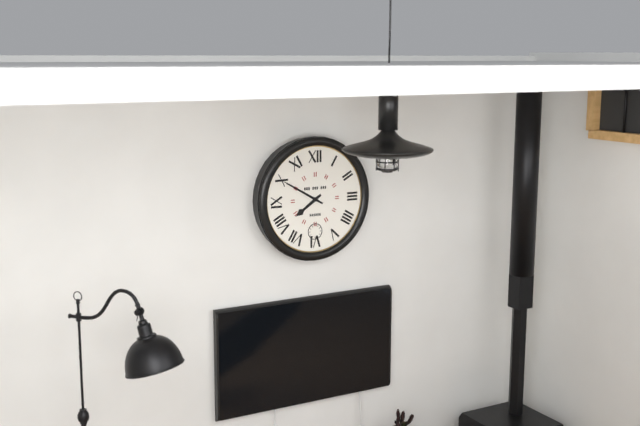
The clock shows {"hour": 7, "minute": 50}
